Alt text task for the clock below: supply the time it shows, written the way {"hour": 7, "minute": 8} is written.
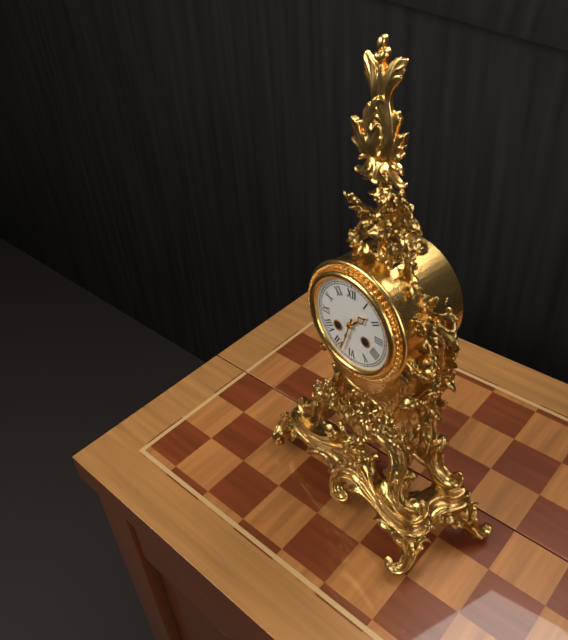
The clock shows {"hour": 1, "minute": 33}
